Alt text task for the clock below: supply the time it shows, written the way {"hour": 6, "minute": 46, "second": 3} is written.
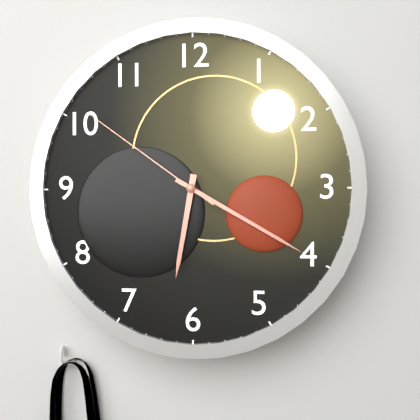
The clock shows {"hour": 6, "minute": 20, "second": 51}
